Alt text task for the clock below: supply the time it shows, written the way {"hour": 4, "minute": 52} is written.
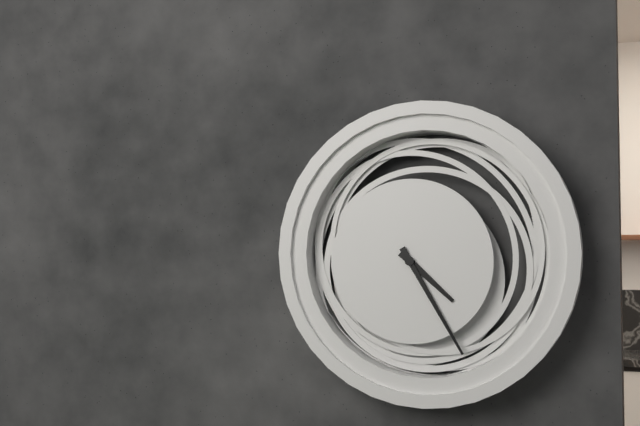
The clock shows {"hour": 4, "minute": 25}
